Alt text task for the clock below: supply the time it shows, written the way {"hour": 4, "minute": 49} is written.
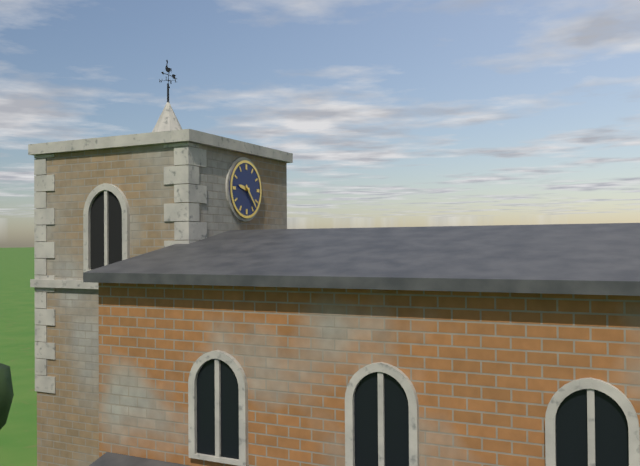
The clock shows {"hour": 9, "minute": 23}
